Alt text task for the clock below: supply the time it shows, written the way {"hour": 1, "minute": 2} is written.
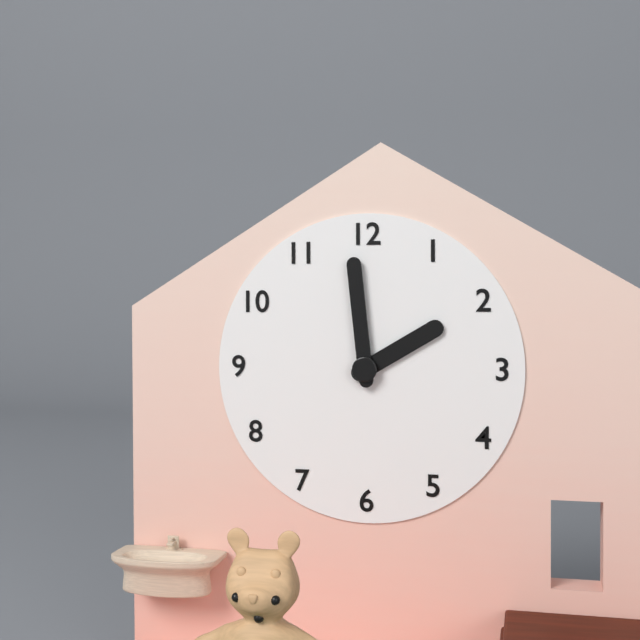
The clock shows {"hour": 1, "minute": 59}
